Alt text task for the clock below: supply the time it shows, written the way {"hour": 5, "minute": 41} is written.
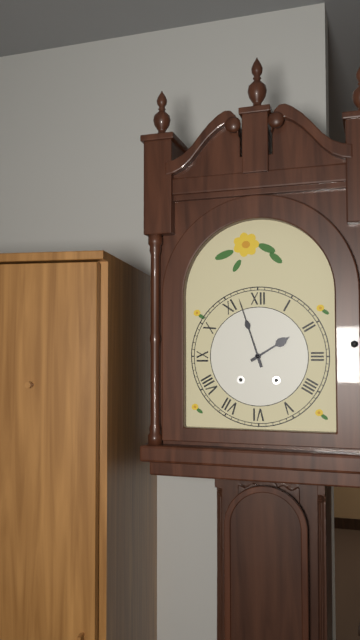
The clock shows {"hour": 1, "minute": 57}
